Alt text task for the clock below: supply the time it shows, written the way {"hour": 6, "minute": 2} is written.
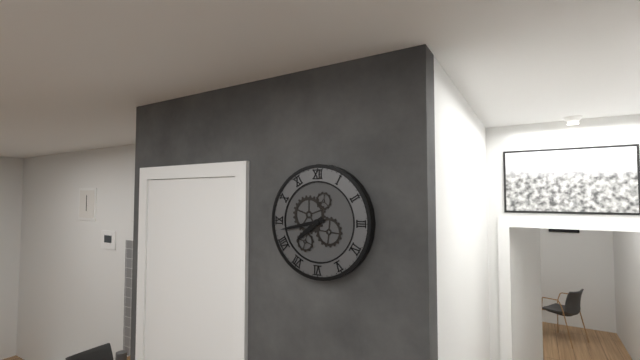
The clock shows {"hour": 7, "minute": 43}
